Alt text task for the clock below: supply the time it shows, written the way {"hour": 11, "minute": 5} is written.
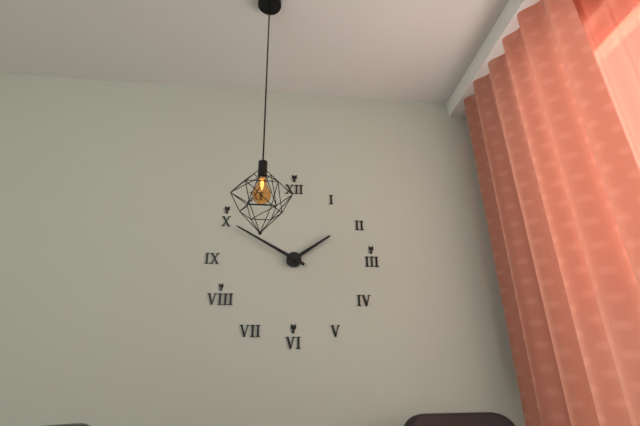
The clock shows {"hour": 1, "minute": 50}
